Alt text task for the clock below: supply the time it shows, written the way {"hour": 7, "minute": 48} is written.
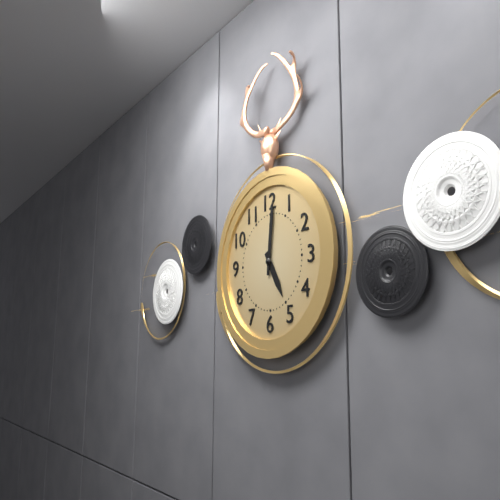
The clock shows {"hour": 5, "minute": 1}
